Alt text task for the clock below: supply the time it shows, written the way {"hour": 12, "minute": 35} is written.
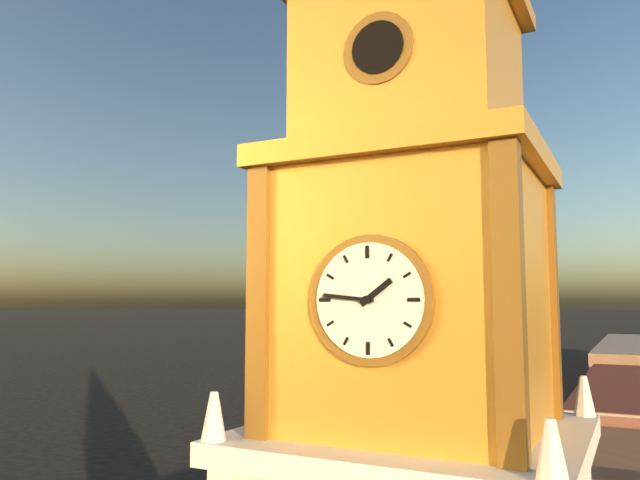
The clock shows {"hour": 1, "minute": 46}
